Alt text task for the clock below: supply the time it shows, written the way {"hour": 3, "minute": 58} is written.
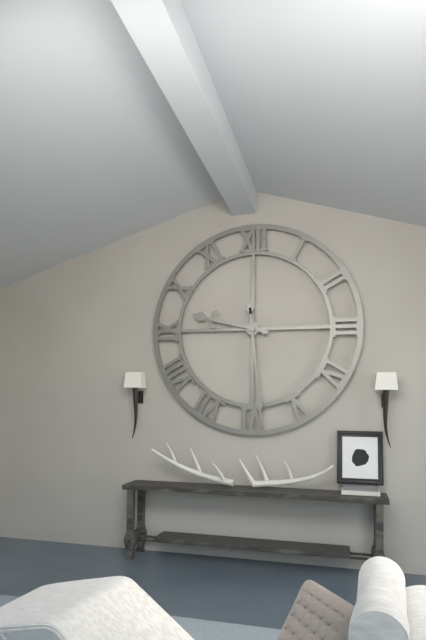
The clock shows {"hour": 9, "minute": 29}
